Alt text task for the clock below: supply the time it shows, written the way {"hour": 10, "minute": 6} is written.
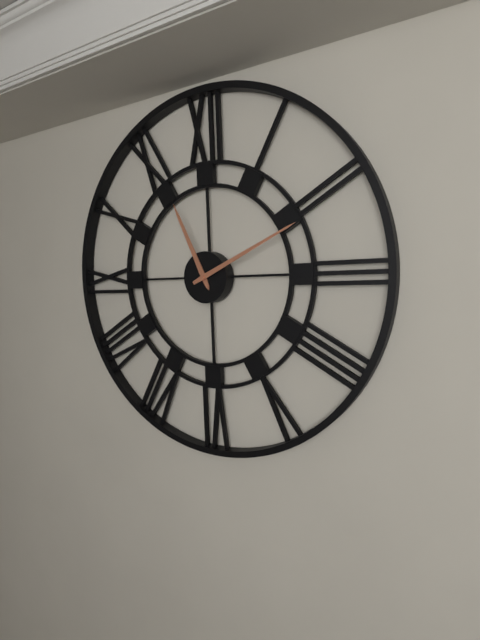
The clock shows {"hour": 11, "minute": 11}
